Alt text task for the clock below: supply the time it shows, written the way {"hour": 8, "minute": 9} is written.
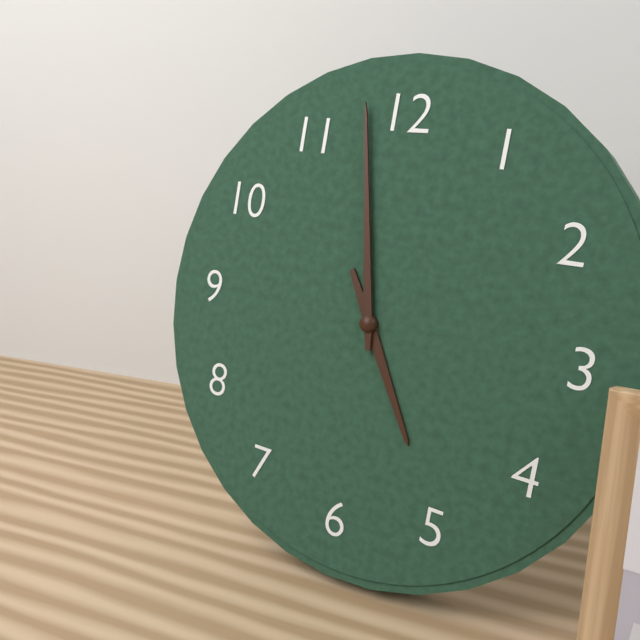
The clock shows {"hour": 4, "minute": 58}
